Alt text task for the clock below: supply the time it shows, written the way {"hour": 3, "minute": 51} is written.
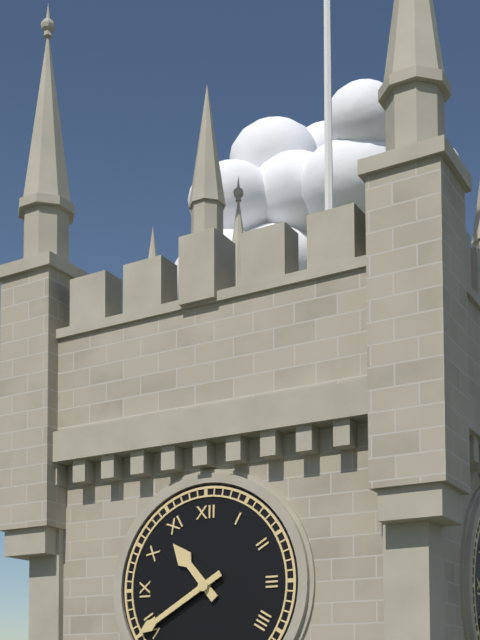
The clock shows {"hour": 10, "minute": 40}
